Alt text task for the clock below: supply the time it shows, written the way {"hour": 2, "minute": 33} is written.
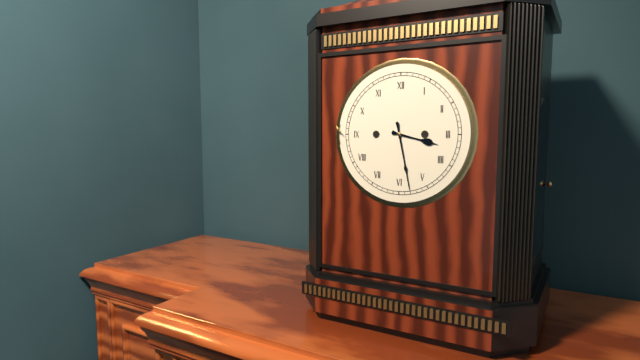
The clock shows {"hour": 3, "minute": 28}
